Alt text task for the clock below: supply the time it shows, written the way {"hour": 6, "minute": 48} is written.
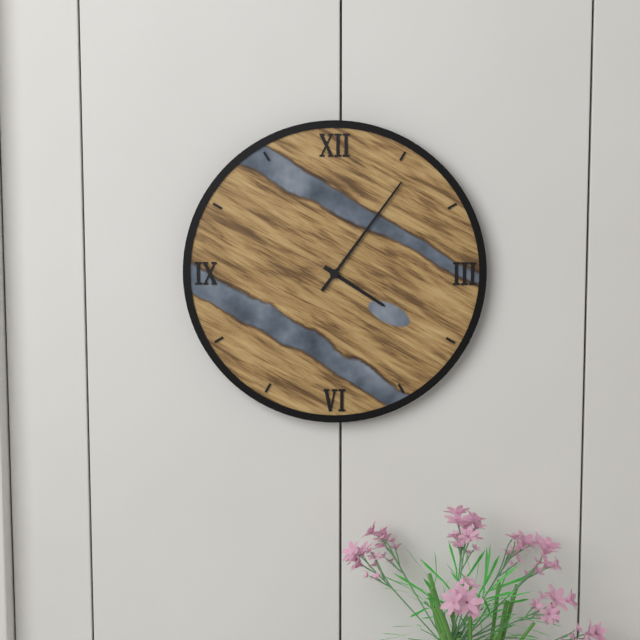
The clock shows {"hour": 4, "minute": 6}
